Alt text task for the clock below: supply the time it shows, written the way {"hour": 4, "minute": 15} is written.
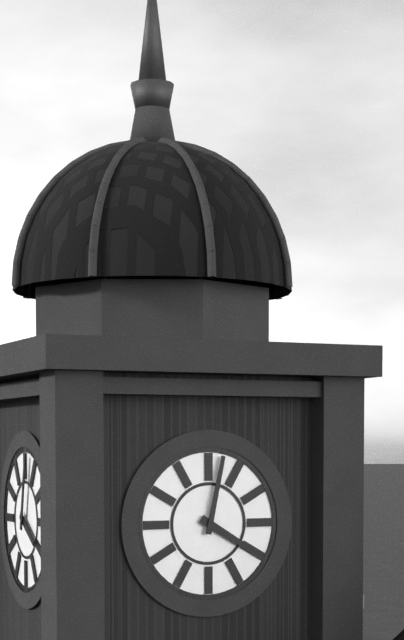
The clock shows {"hour": 4, "minute": 2}
